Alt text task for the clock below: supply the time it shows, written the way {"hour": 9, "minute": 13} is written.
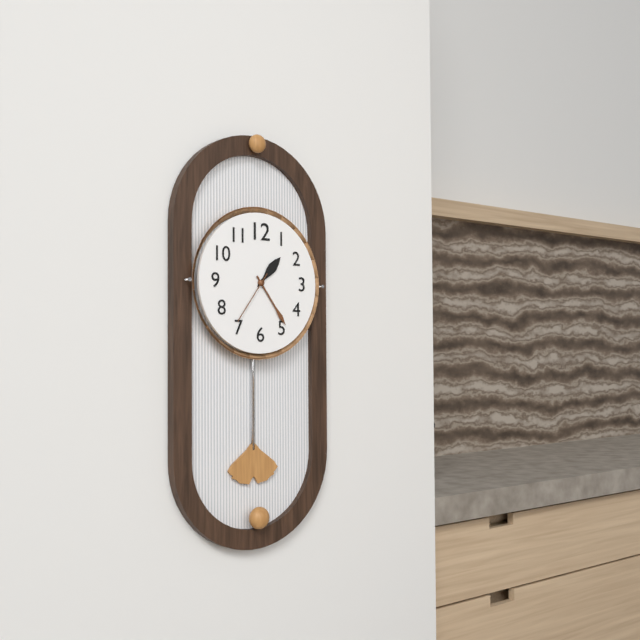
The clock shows {"hour": 1, "minute": 24}
